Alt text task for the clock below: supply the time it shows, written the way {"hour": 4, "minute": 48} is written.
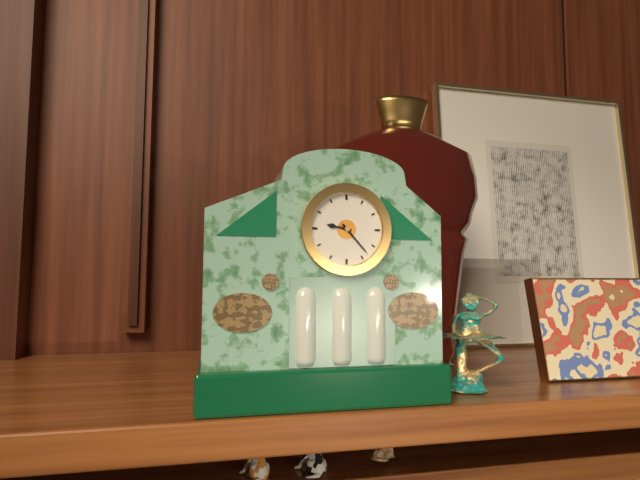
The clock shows {"hour": 9, "minute": 23}
